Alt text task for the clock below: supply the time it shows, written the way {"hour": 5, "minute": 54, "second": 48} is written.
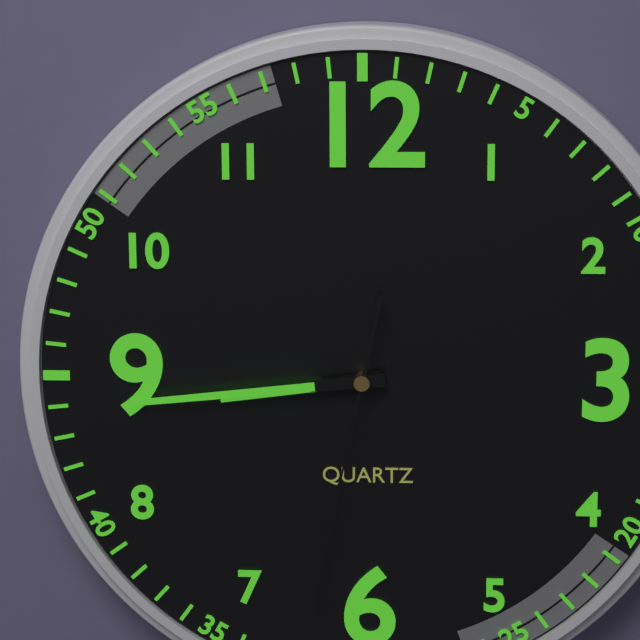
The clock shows {"hour": 8, "minute": 44, "second": 32}
